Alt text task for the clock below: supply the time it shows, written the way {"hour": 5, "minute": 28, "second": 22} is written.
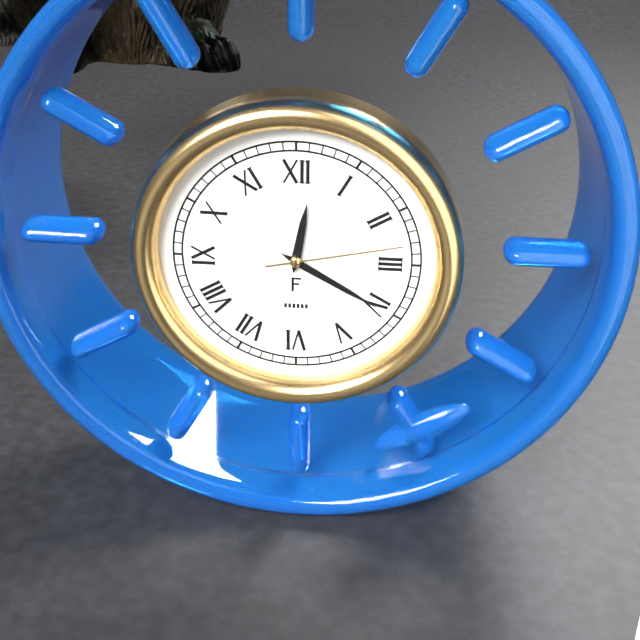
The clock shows {"hour": 12, "minute": 20, "second": 13}
